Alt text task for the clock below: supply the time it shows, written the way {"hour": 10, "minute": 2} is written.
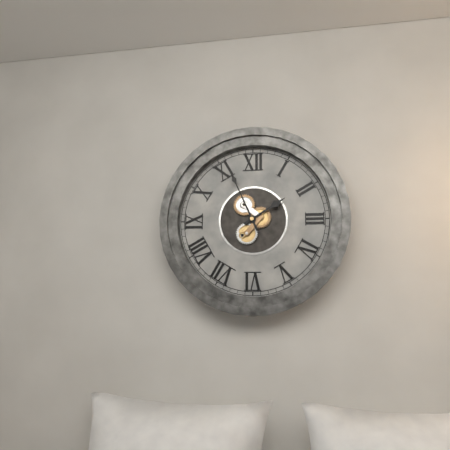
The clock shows {"hour": 1, "minute": 56}
